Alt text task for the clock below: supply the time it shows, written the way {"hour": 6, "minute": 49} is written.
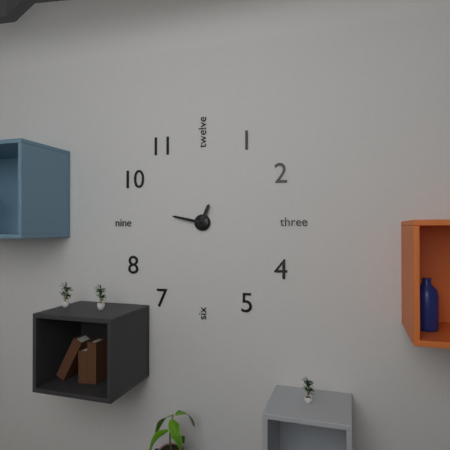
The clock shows {"hour": 12, "minute": 47}
